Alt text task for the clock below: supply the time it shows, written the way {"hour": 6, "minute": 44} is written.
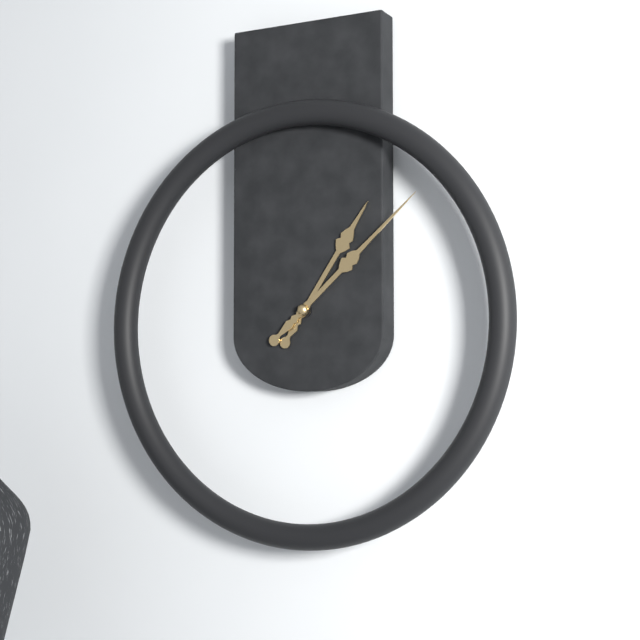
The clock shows {"hour": 1, "minute": 8}
